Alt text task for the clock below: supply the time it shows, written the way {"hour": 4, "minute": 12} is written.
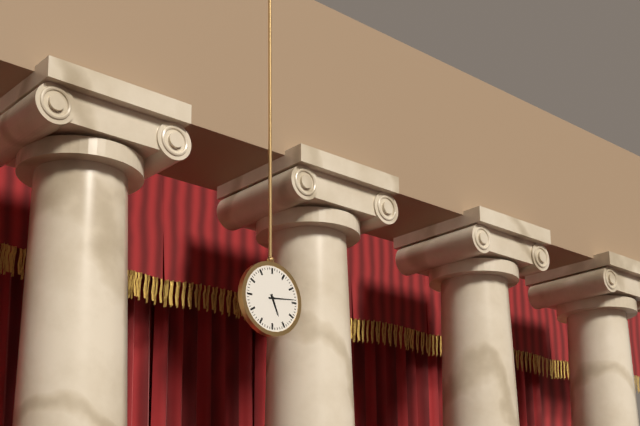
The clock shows {"hour": 5, "minute": 14}
